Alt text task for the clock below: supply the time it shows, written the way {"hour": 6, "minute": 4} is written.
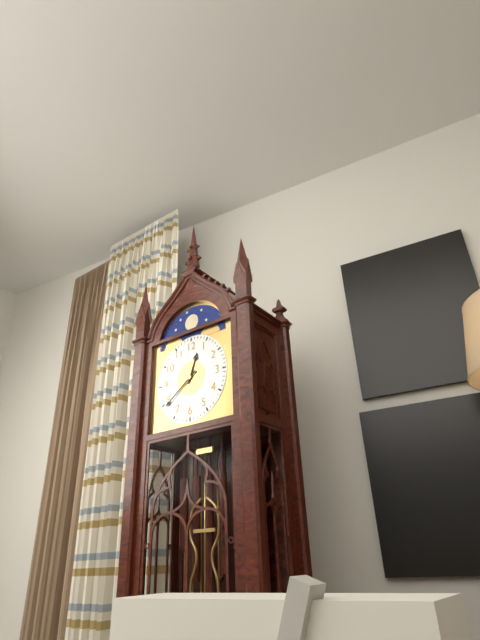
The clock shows {"hour": 12, "minute": 39}
